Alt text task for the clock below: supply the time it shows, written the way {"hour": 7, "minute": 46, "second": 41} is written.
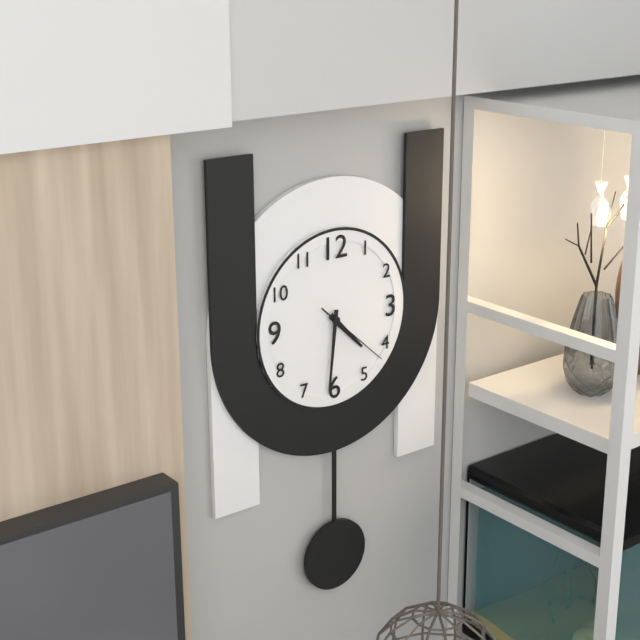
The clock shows {"hour": 4, "minute": 31, "second": 22}
